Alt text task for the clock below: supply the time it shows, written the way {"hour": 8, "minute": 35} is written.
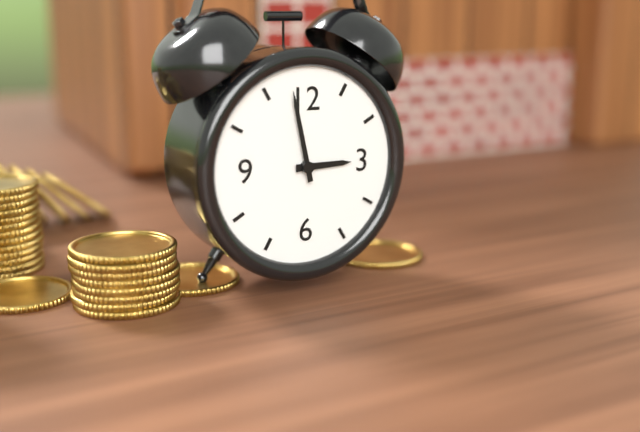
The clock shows {"hour": 2, "minute": 58}
